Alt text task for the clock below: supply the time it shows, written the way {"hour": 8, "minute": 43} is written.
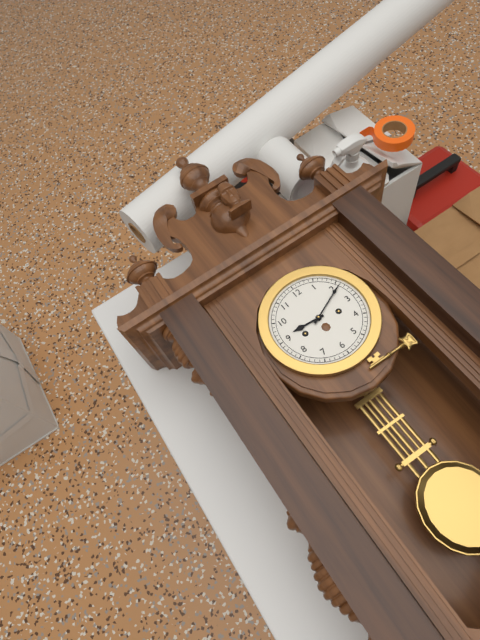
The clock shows {"hour": 9, "minute": 11}
